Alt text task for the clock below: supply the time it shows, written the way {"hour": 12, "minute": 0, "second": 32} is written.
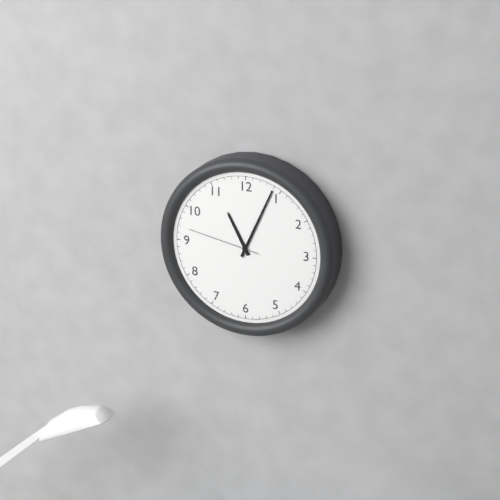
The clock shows {"hour": 11, "minute": 4, "second": 47}
